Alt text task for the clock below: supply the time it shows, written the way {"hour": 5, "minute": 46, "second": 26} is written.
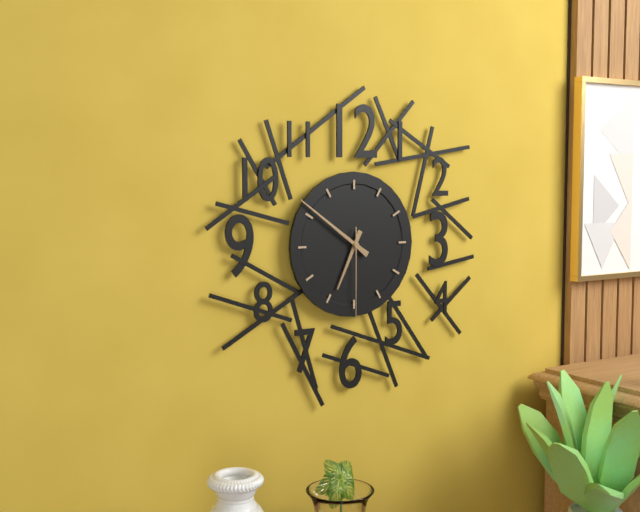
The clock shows {"hour": 6, "minute": 51, "second": 30}
